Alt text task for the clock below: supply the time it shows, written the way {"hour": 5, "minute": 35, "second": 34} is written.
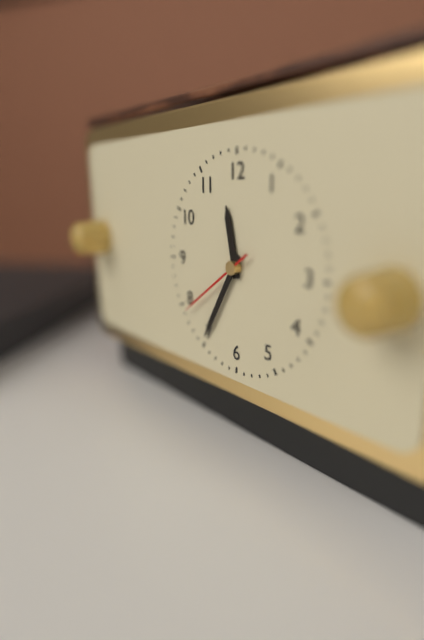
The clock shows {"hour": 11, "minute": 35, "second": 39}
